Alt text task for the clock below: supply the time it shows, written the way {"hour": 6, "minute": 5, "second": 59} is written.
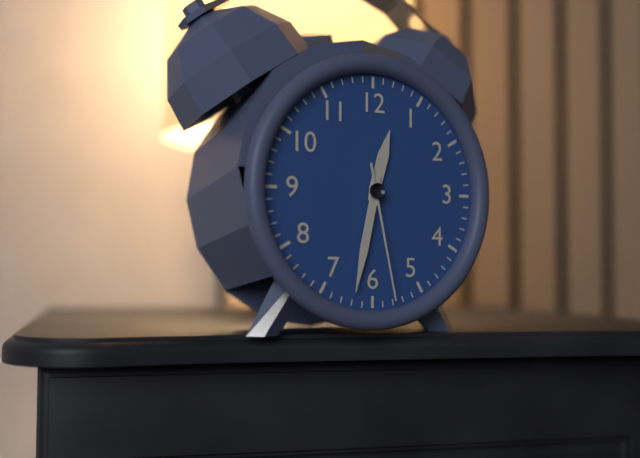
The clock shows {"hour": 12, "minute": 32, "second": 28}
